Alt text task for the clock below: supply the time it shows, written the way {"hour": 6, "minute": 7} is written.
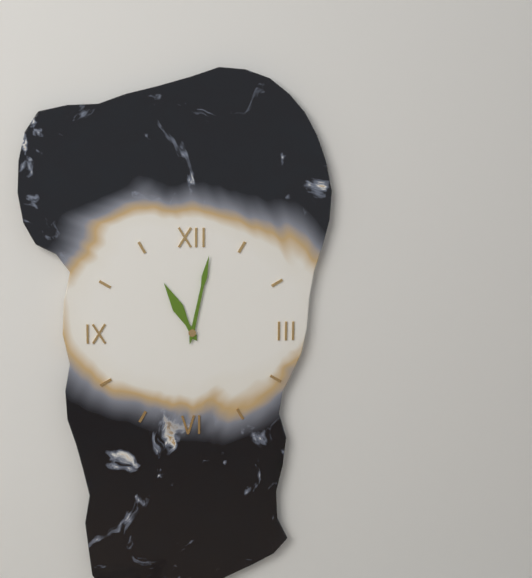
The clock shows {"hour": 11, "minute": 2}
